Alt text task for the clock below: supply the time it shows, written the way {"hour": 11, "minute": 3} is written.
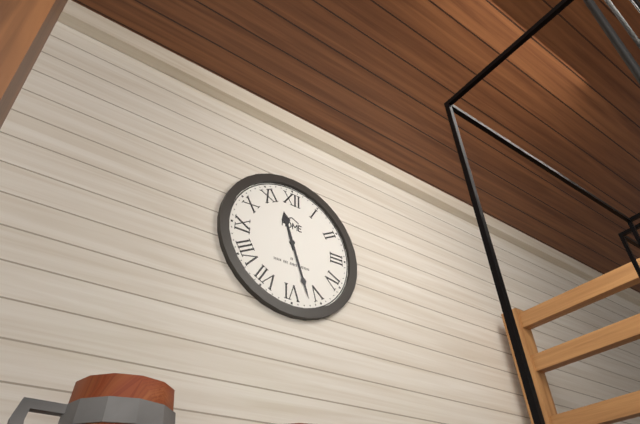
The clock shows {"hour": 11, "minute": 27}
